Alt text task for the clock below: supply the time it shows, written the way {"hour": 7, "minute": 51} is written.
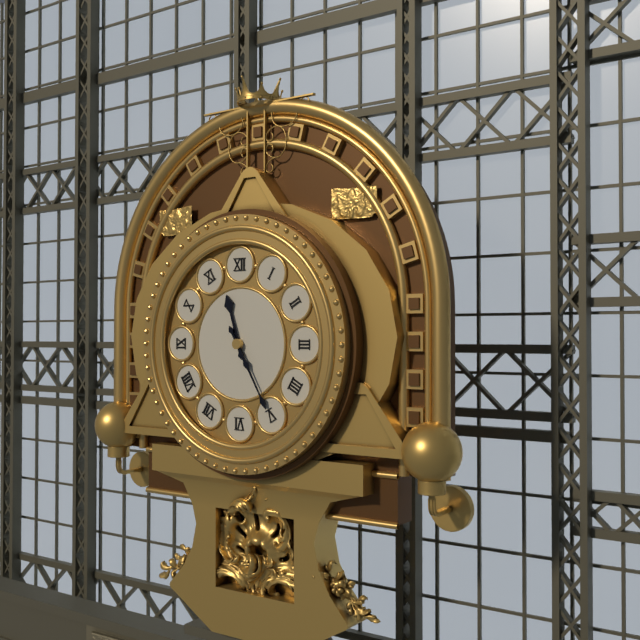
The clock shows {"hour": 11, "minute": 25}
